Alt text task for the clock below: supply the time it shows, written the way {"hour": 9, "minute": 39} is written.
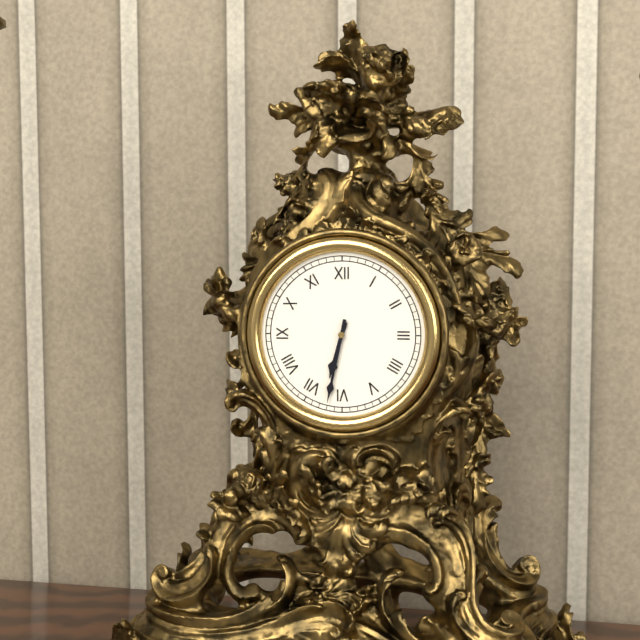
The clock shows {"hour": 6, "minute": 32}
